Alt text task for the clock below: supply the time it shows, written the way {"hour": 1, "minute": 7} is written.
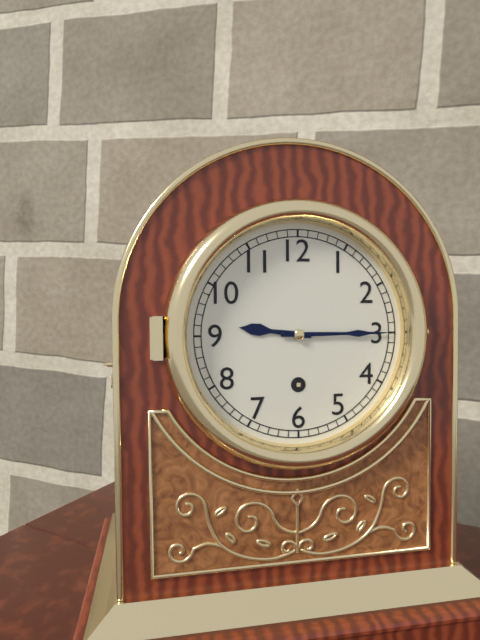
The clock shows {"hour": 9, "minute": 15}
